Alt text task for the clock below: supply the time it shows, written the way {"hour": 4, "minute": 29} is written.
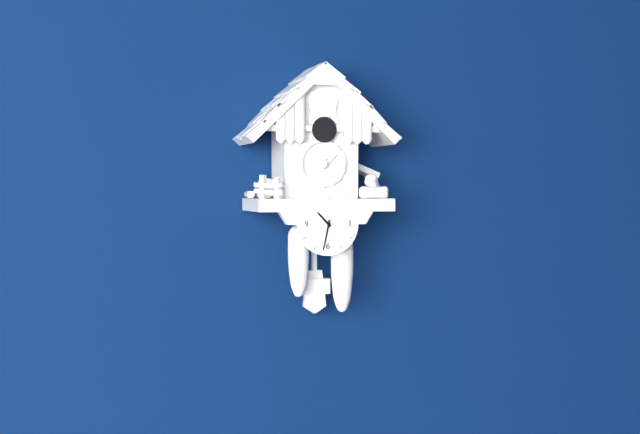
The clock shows {"hour": 10, "minute": 32}
